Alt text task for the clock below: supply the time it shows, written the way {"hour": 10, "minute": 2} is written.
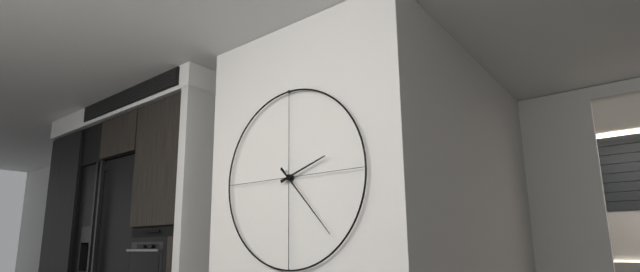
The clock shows {"hour": 2, "minute": 23}
